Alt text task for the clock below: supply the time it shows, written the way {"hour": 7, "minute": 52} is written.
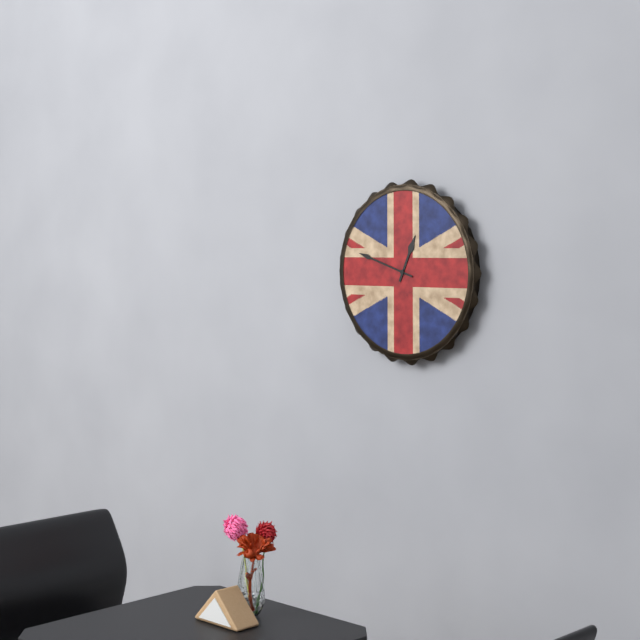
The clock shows {"hour": 12, "minute": 48}
